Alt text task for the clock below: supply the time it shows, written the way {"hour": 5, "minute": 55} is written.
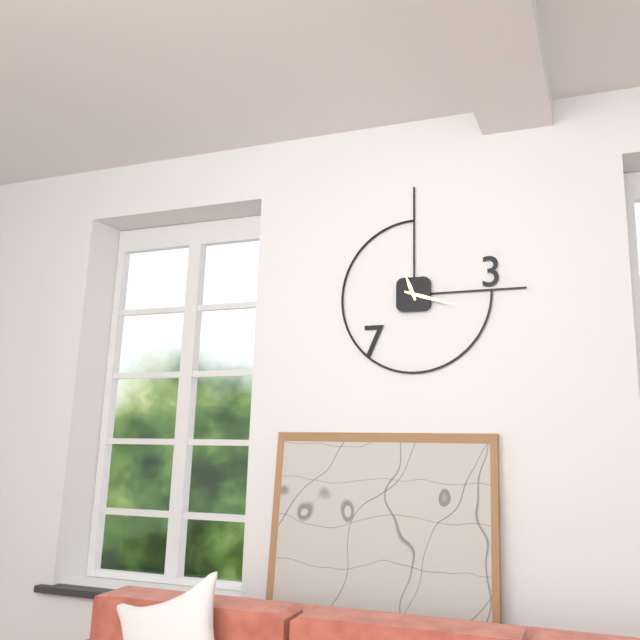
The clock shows {"hour": 11, "minute": 18}
